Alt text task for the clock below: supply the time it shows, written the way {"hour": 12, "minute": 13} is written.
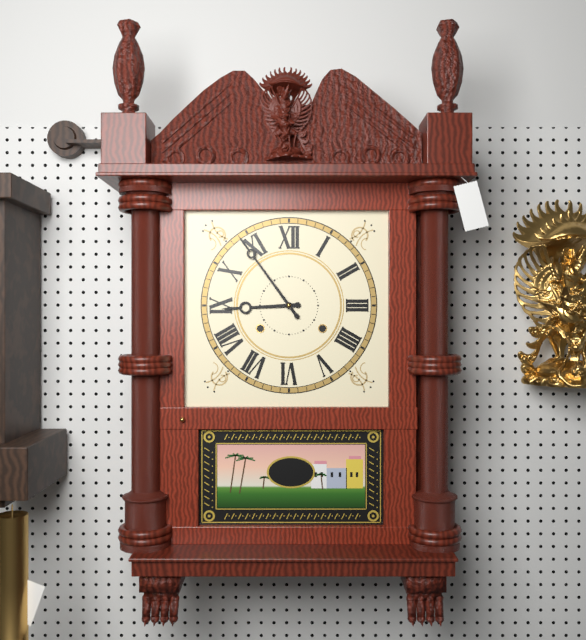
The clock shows {"hour": 8, "minute": 54}
